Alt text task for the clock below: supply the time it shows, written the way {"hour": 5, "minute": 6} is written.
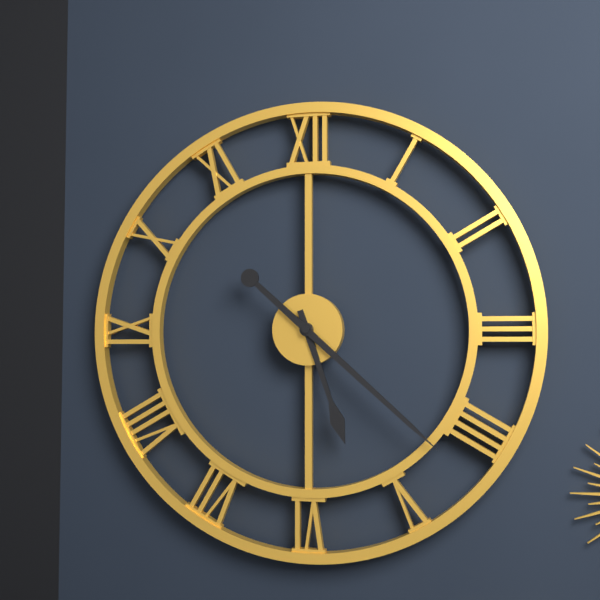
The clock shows {"hour": 5, "minute": 22}
